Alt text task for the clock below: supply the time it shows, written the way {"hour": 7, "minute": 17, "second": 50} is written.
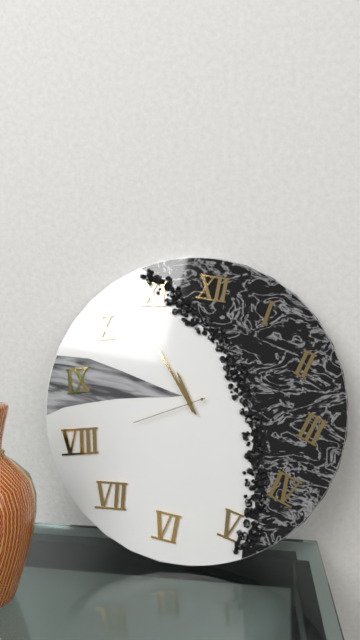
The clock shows {"hour": 10, "minute": 53, "second": 40}
